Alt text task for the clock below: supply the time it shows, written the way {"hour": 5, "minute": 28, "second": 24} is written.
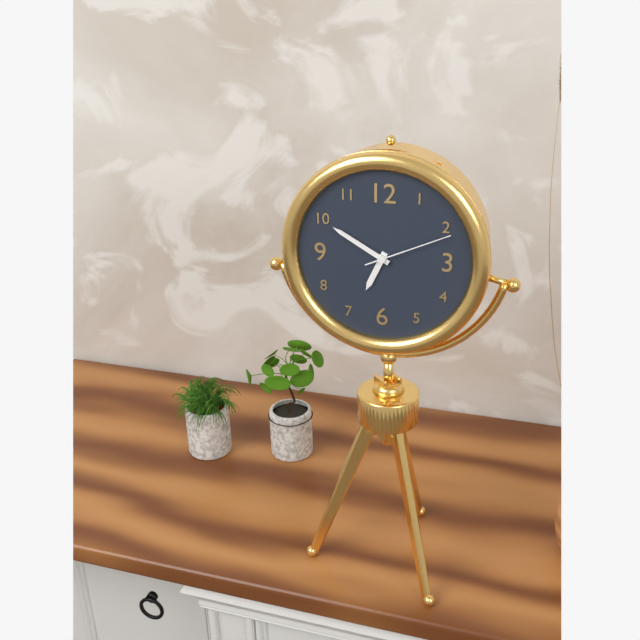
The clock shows {"hour": 6, "minute": 50, "second": 11}
